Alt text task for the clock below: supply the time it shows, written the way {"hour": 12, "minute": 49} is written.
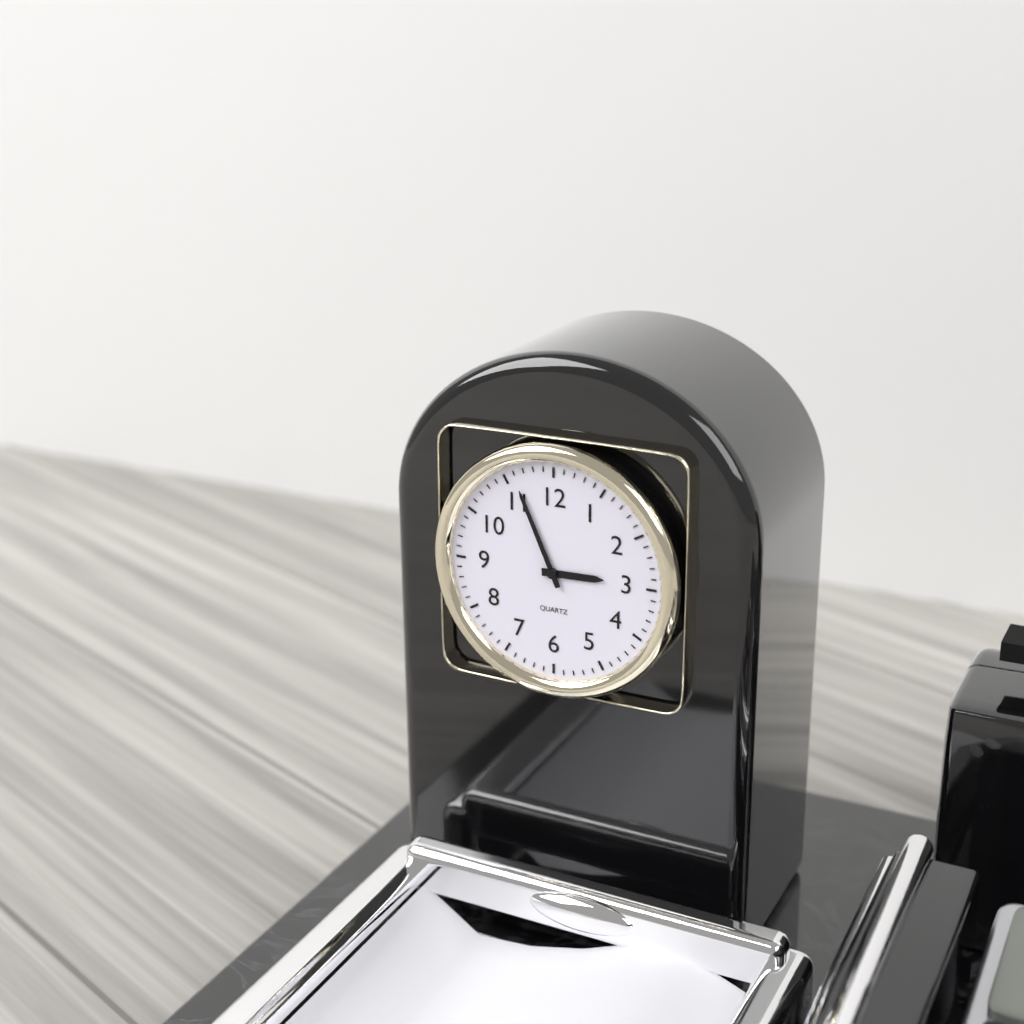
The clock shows {"hour": 2, "minute": 56}
